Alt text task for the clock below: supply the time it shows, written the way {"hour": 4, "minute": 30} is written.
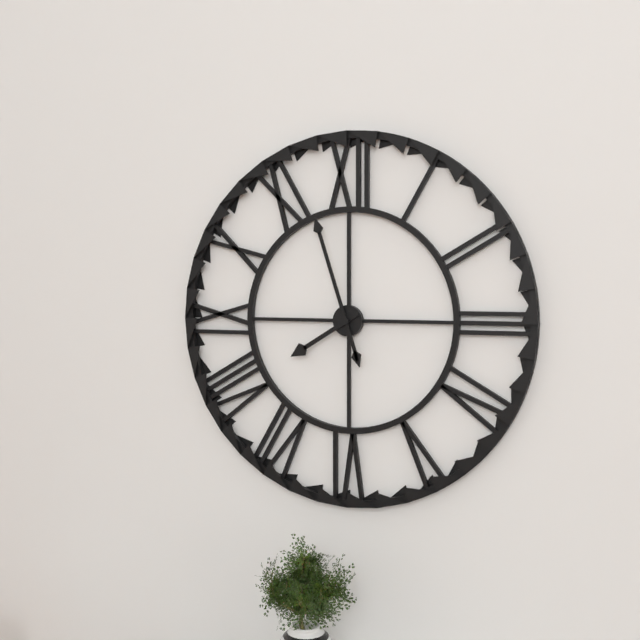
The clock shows {"hour": 7, "minute": 57}
